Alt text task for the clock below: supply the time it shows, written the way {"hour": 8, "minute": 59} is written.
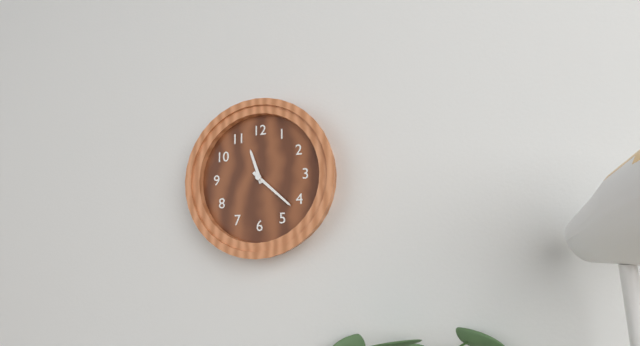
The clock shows {"hour": 11, "minute": 22}
